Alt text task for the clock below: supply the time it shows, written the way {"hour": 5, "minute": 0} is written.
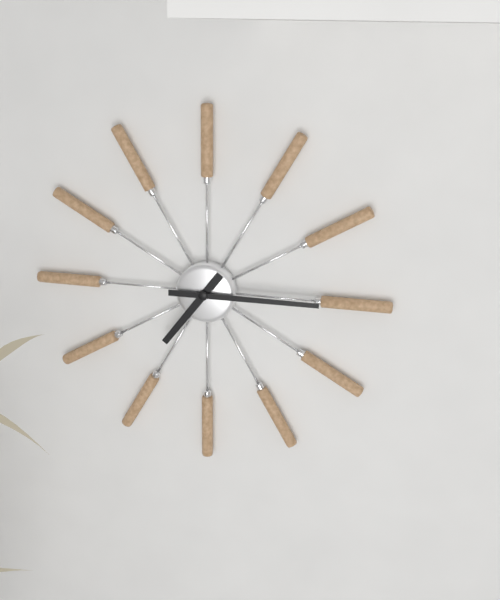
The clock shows {"hour": 7, "minute": 15}
